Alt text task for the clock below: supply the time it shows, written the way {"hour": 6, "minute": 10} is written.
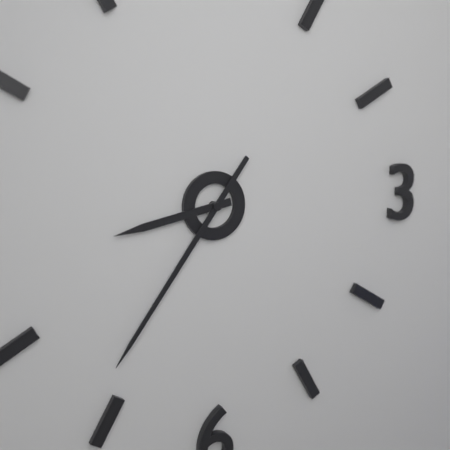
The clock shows {"hour": 8, "minute": 36}
